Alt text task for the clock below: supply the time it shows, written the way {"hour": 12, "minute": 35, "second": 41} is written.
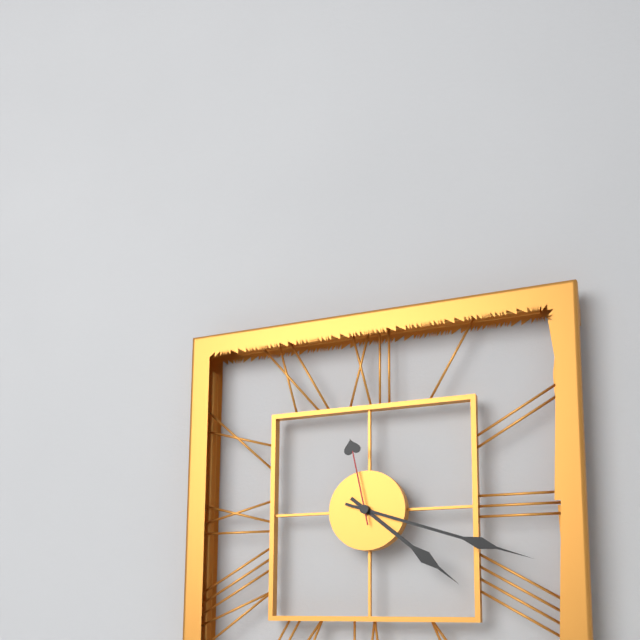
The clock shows {"hour": 4, "minute": 18, "second": 58}
